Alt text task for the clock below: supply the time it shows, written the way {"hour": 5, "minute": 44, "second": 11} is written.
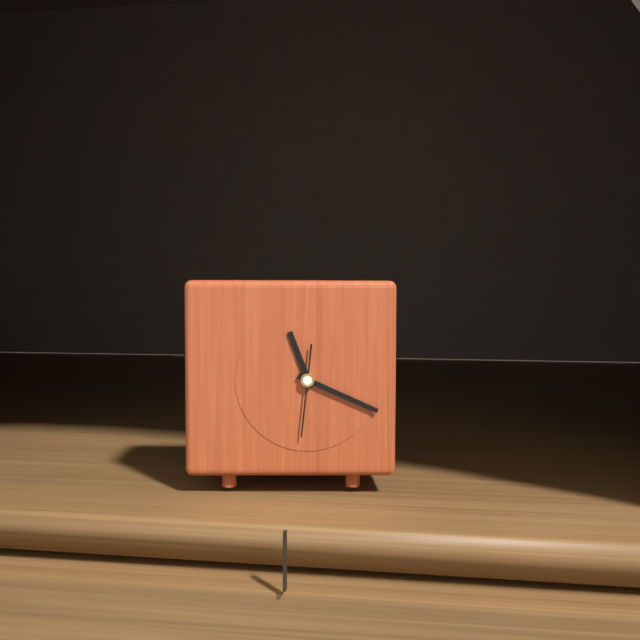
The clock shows {"hour": 11, "minute": 19, "second": 31}
